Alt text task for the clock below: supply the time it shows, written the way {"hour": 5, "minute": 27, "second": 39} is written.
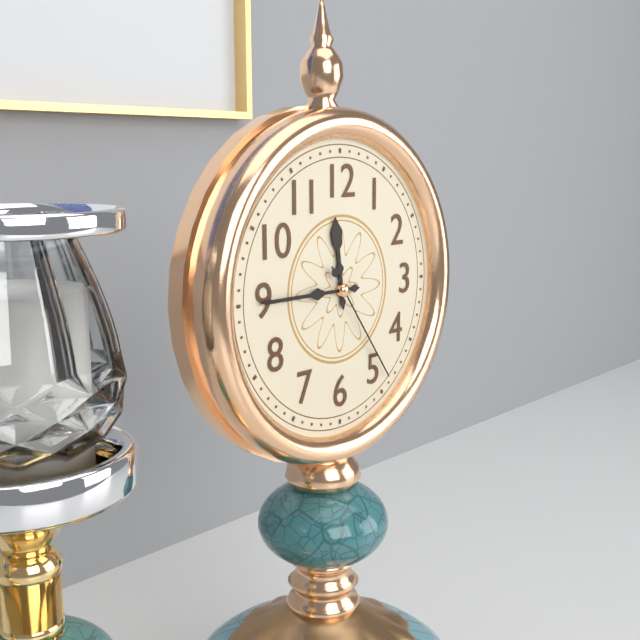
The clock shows {"hour": 11, "minute": 45, "second": 24}
